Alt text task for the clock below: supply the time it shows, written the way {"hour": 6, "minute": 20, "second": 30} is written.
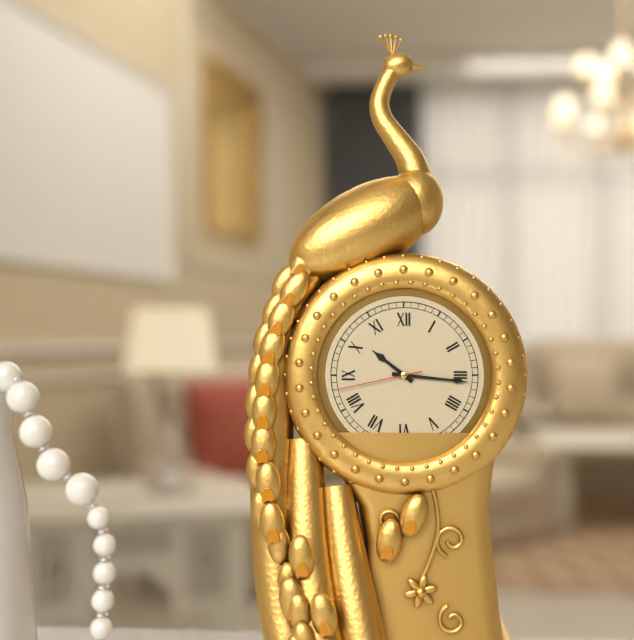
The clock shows {"hour": 10, "minute": 16, "second": 43}
